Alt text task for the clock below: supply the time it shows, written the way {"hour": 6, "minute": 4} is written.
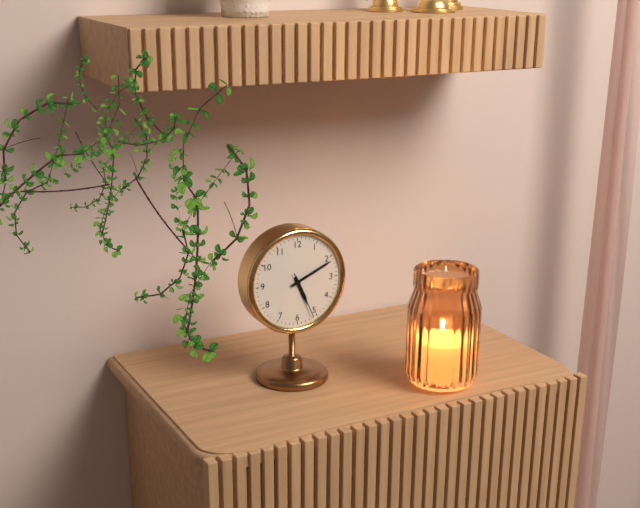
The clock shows {"hour": 5, "minute": 11}
